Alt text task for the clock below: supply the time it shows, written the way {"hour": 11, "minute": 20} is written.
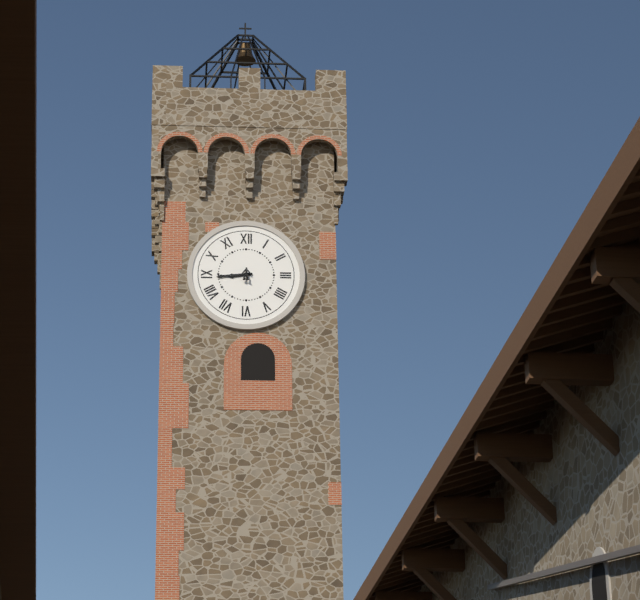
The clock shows {"hour": 8, "minute": 44}
